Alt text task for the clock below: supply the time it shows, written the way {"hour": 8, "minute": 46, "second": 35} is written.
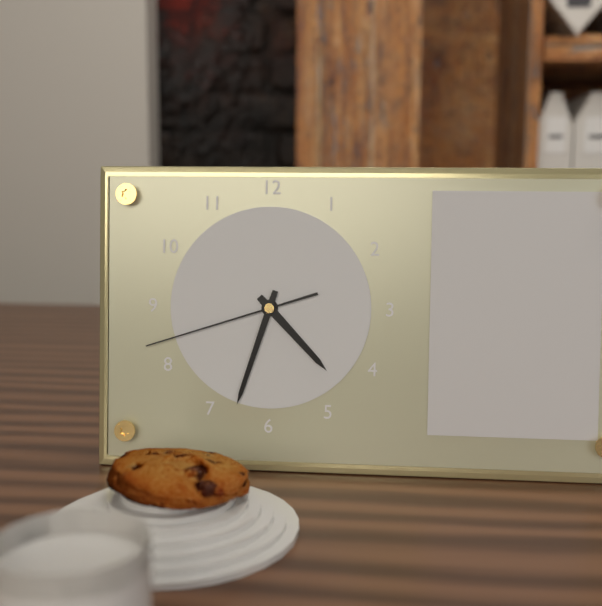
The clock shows {"hour": 4, "minute": 33, "second": 42}
